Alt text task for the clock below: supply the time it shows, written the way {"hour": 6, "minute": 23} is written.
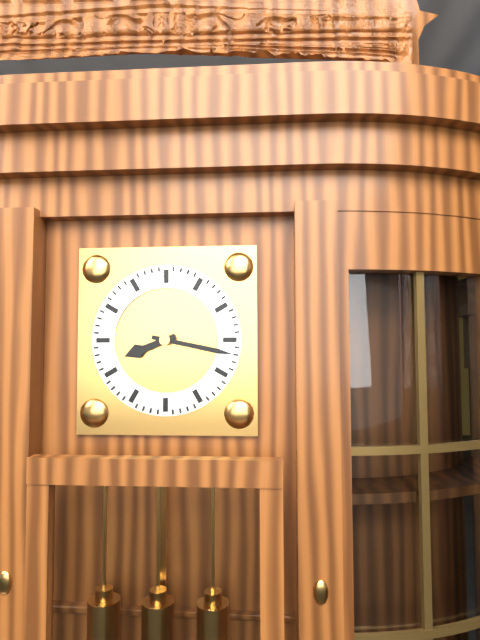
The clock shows {"hour": 8, "minute": 17}
